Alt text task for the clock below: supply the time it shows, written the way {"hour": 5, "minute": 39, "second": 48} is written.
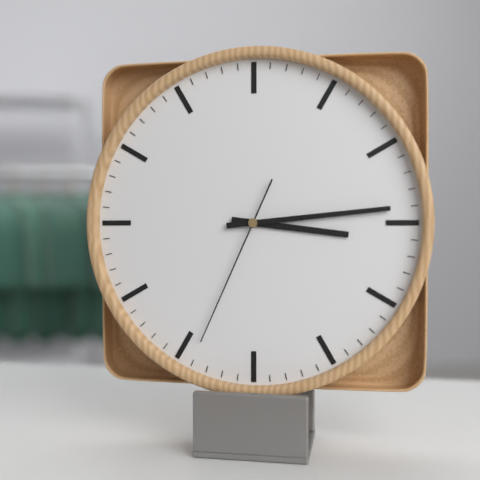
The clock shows {"hour": 3, "minute": 14, "second": 34}
